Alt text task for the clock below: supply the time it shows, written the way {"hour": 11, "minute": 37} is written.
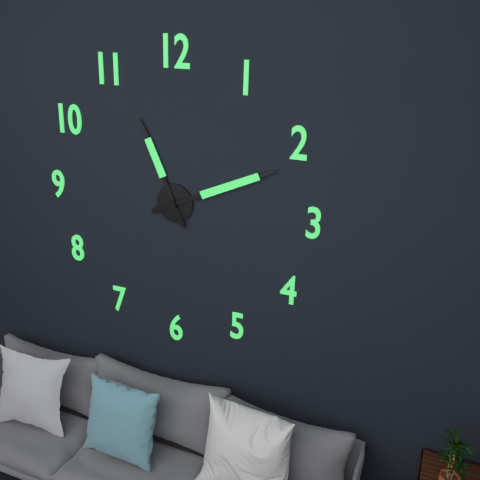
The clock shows {"hour": 11, "minute": 11}
